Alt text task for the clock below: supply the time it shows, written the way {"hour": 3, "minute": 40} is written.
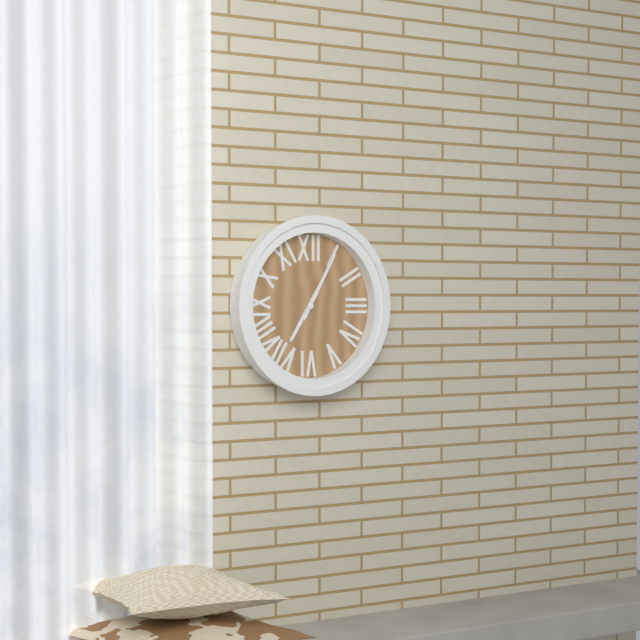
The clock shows {"hour": 7, "minute": 5}
